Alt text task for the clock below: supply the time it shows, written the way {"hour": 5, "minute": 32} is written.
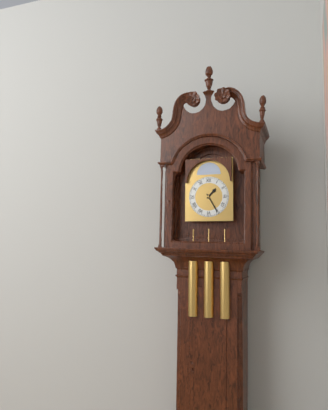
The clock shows {"hour": 1, "minute": 25}
